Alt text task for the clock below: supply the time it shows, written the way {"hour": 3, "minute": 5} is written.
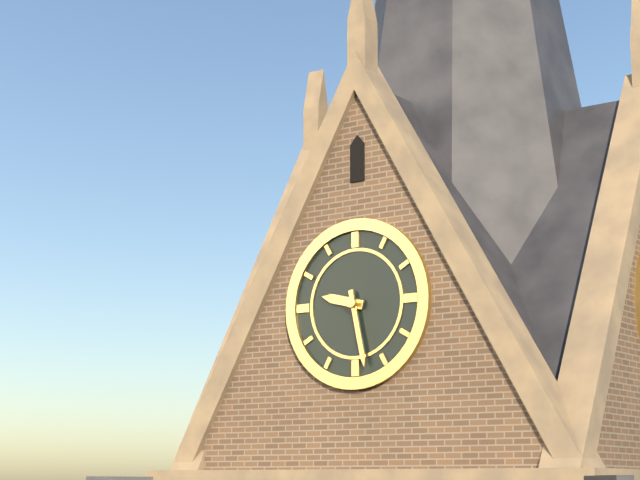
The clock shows {"hour": 9, "minute": 28}
